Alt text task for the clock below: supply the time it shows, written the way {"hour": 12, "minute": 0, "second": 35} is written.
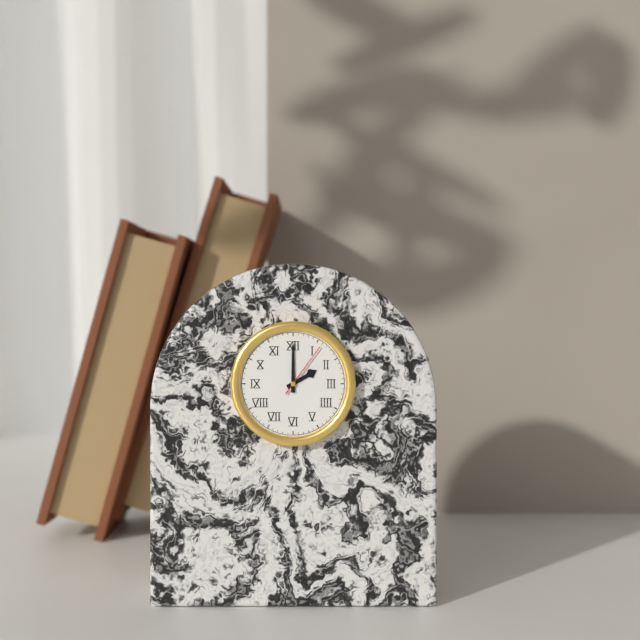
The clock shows {"hour": 2, "minute": 0, "second": 6}
